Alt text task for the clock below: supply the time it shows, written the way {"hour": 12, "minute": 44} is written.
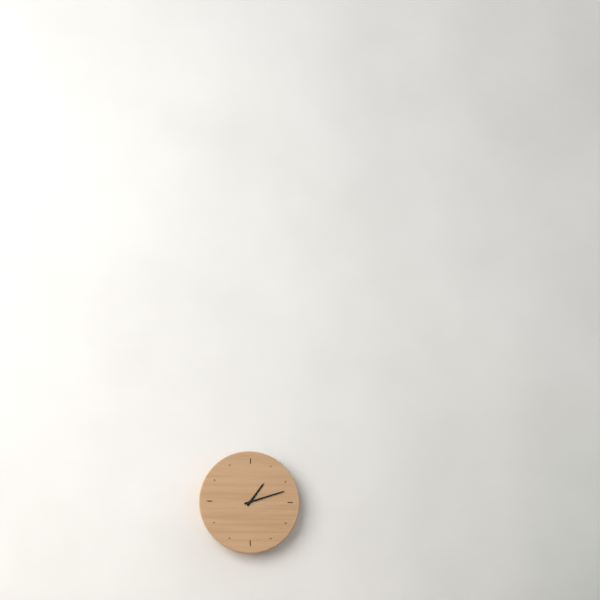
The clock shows {"hour": 1, "minute": 12}
